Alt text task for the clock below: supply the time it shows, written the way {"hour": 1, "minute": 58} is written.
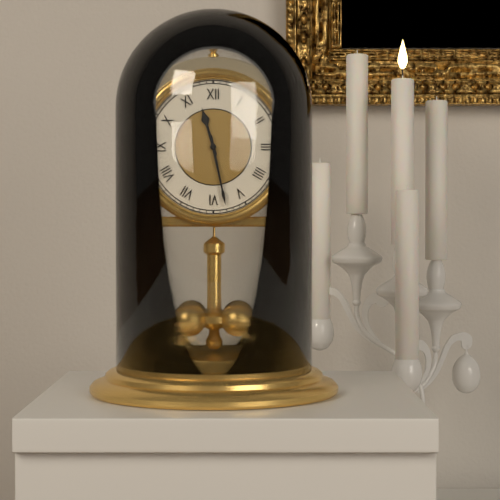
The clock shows {"hour": 11, "minute": 28}
